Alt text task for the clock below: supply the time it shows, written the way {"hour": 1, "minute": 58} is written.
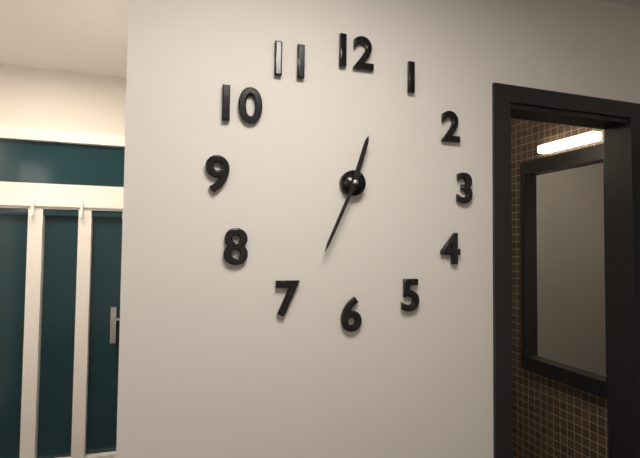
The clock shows {"hour": 12, "minute": 34}
